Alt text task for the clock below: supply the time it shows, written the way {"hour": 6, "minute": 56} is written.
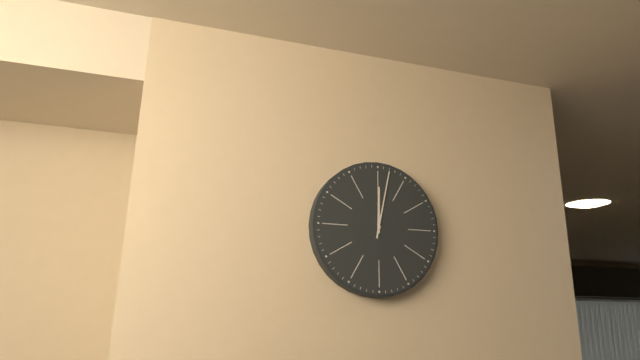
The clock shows {"hour": 12, "minute": 2}
